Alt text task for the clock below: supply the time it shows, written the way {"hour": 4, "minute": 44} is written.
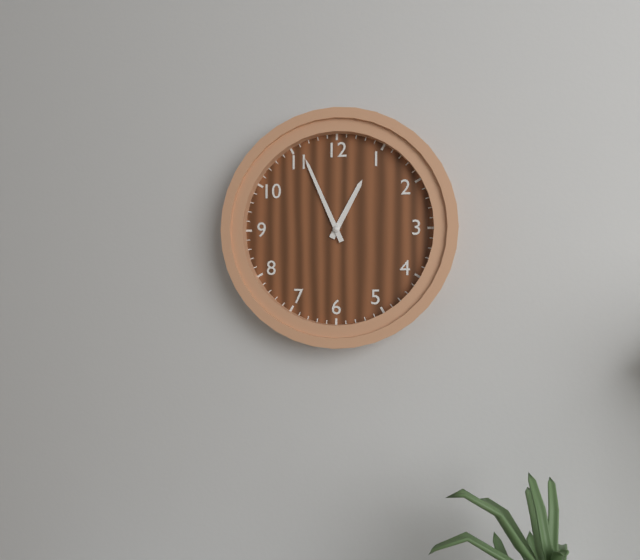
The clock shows {"hour": 12, "minute": 56}
